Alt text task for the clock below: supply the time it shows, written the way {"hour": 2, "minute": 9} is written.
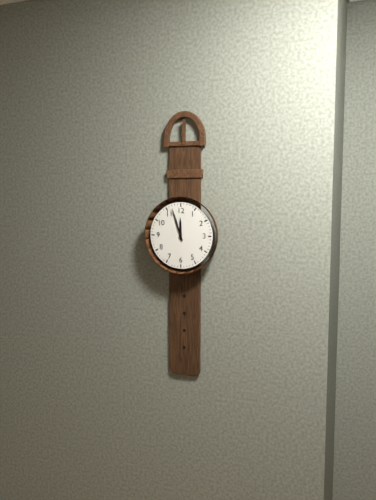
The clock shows {"hour": 11, "minute": 57}
